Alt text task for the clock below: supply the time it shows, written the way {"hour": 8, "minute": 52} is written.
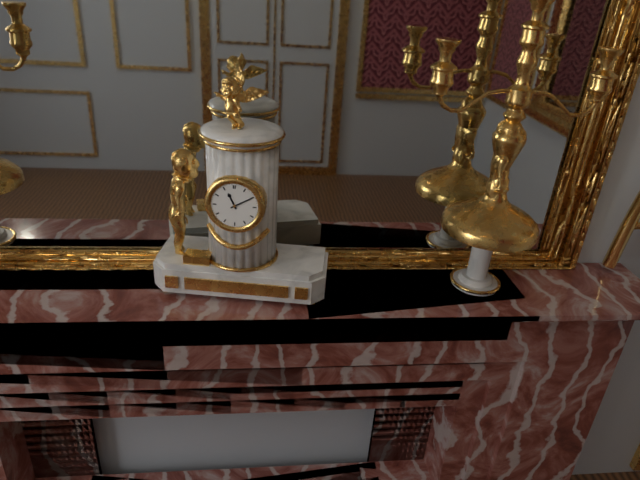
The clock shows {"hour": 11, "minute": 10}
